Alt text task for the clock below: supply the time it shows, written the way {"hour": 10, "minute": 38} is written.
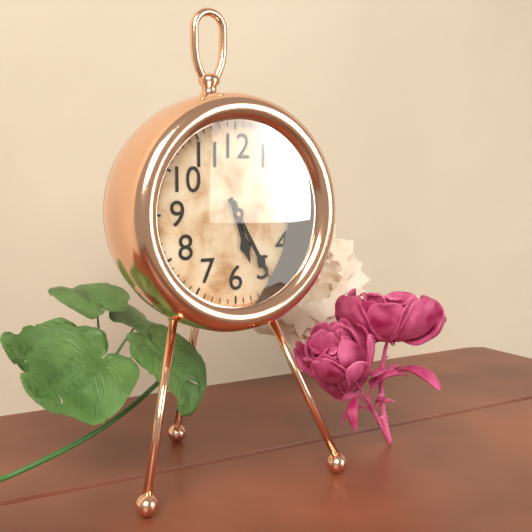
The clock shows {"hour": 5, "minute": 25}
